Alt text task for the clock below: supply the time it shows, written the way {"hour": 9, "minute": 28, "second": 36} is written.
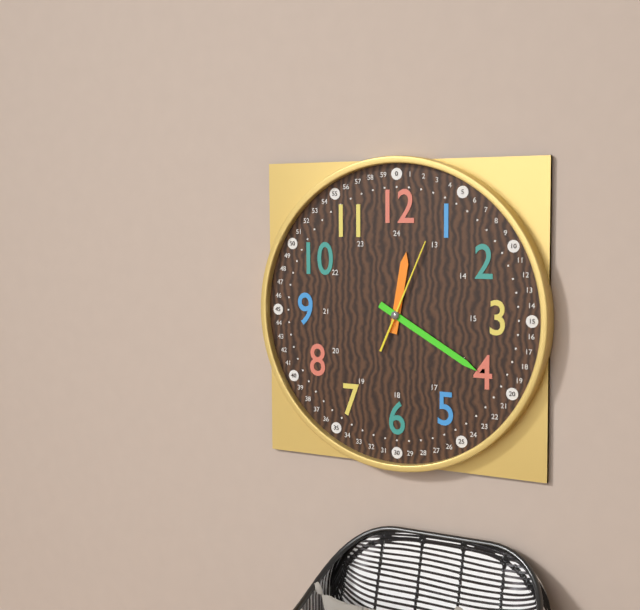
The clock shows {"hour": 12, "minute": 20, "second": 4}
